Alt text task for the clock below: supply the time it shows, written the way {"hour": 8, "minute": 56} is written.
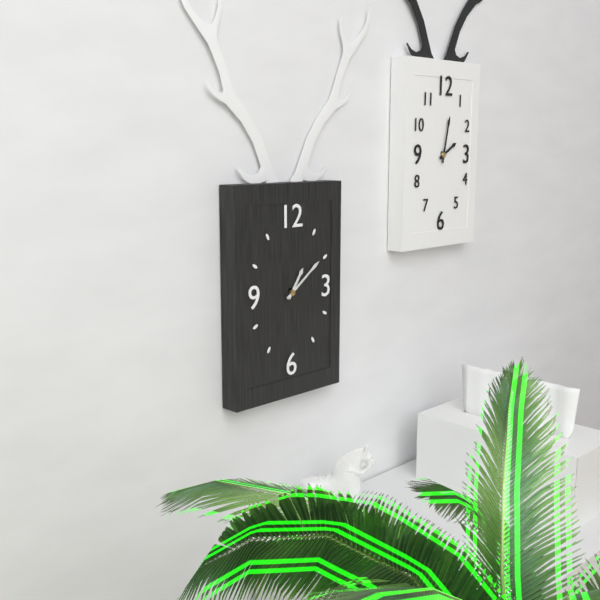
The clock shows {"hour": 1, "minute": 9}
